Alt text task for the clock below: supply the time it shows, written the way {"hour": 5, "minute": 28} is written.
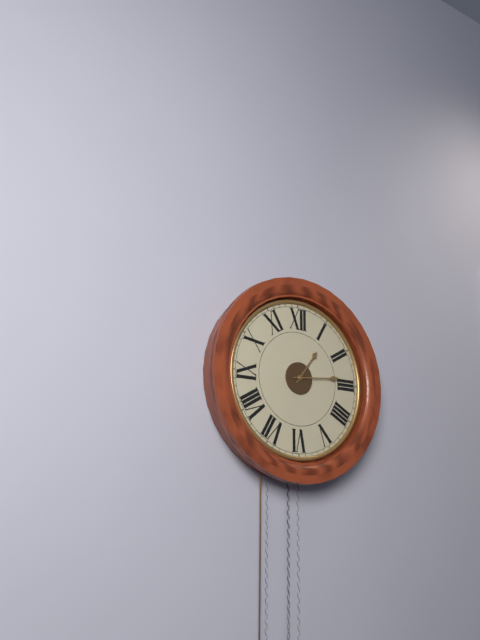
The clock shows {"hour": 1, "minute": 14}
